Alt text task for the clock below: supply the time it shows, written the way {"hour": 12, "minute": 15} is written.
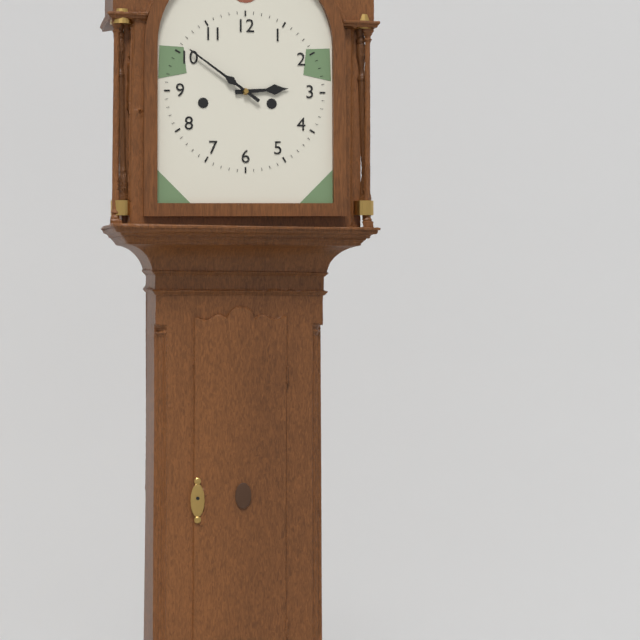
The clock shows {"hour": 2, "minute": 51}
